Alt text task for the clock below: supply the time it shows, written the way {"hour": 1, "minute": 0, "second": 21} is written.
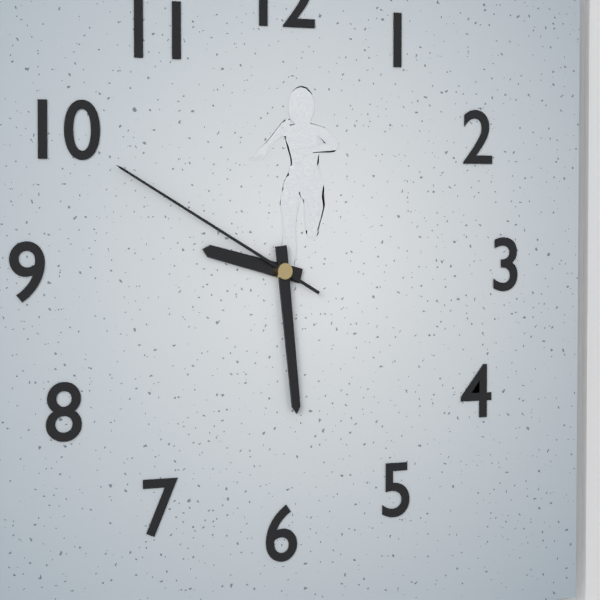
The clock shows {"hour": 9, "minute": 29, "second": 50}
